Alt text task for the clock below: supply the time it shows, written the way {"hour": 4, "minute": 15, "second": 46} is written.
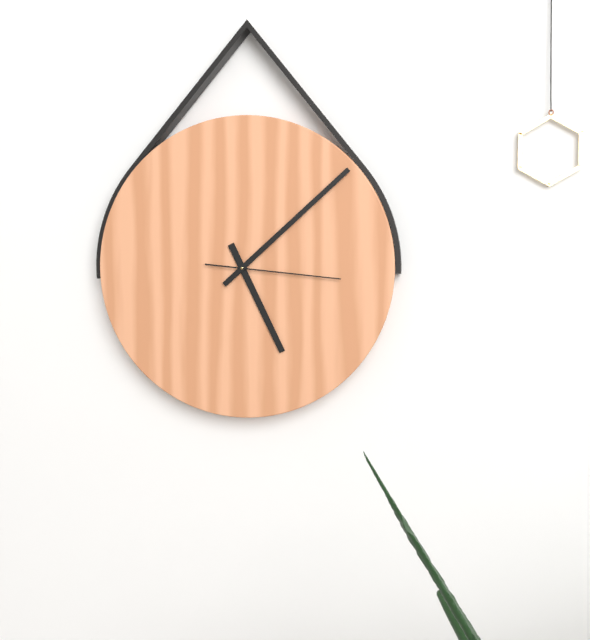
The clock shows {"hour": 5, "minute": 8, "second": 16}
